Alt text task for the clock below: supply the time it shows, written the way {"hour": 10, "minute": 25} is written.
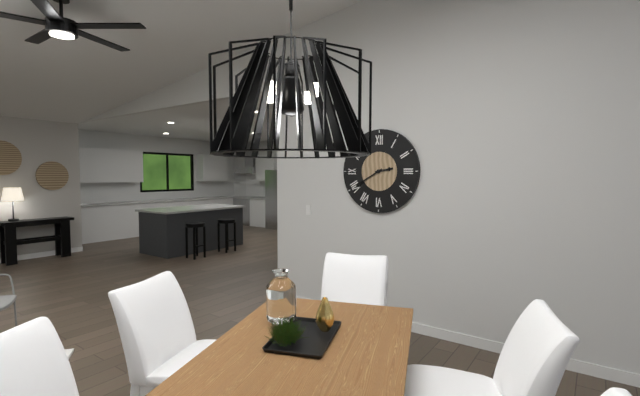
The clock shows {"hour": 2, "minute": 40}
